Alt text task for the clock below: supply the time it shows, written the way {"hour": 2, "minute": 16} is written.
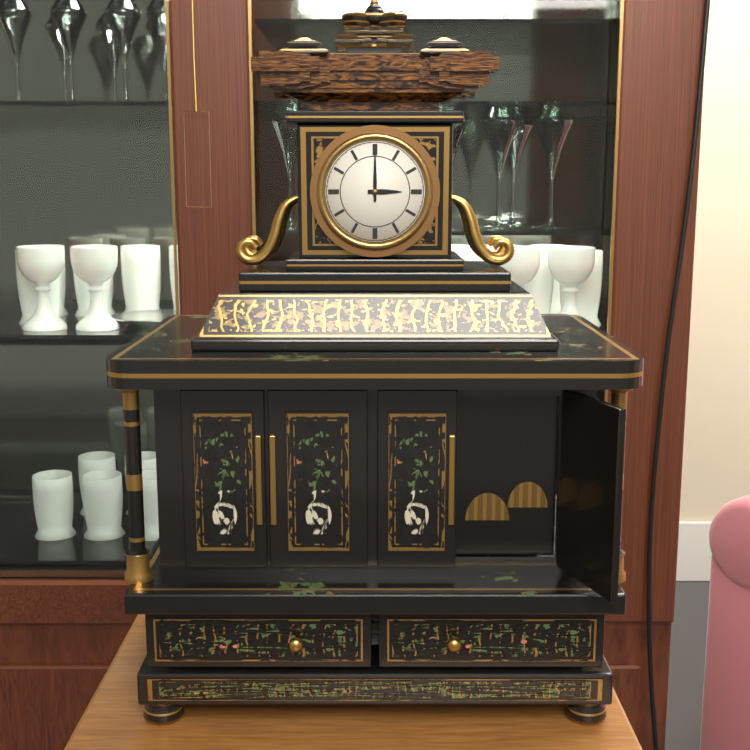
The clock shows {"hour": 3, "minute": 0}
